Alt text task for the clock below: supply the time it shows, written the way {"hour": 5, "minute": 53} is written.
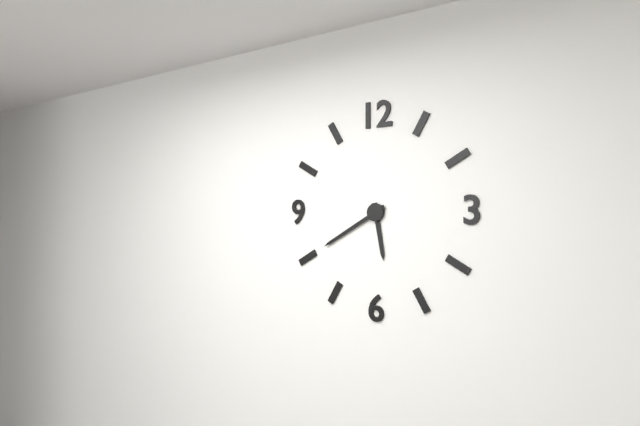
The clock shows {"hour": 5, "minute": 40}
